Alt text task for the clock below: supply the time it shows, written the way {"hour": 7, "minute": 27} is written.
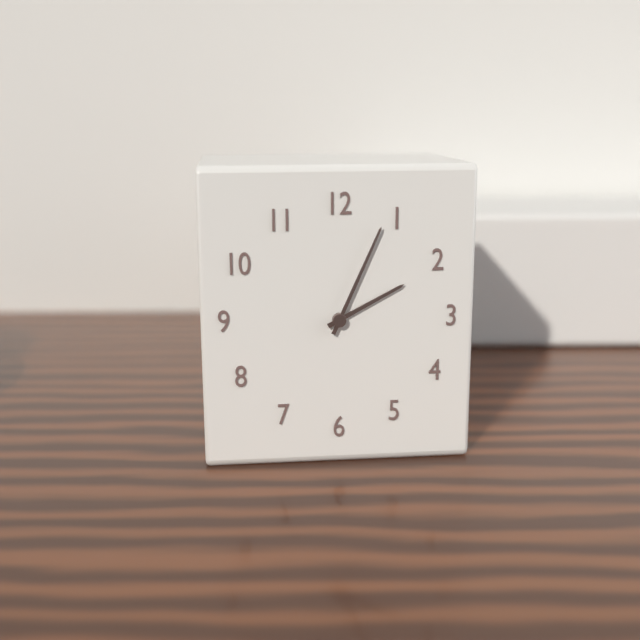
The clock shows {"hour": 2, "minute": 4}
